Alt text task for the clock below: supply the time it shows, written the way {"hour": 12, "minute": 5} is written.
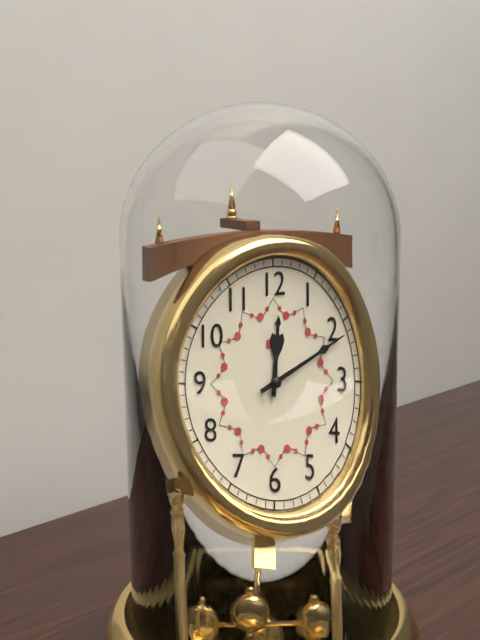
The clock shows {"hour": 12, "minute": 11}
